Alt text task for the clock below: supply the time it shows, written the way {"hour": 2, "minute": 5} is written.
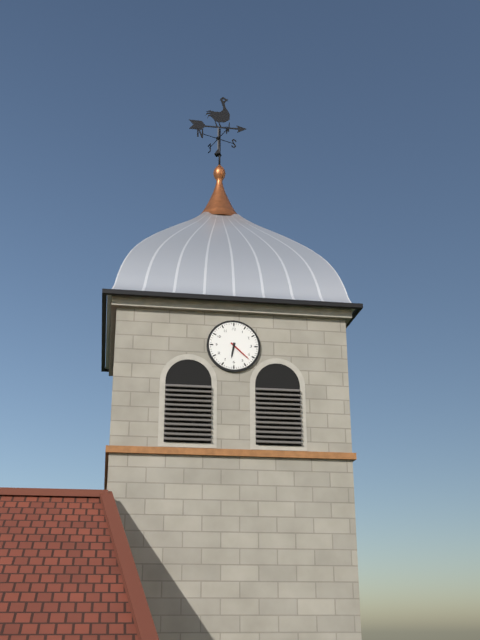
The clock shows {"hour": 6, "minute": 22}
